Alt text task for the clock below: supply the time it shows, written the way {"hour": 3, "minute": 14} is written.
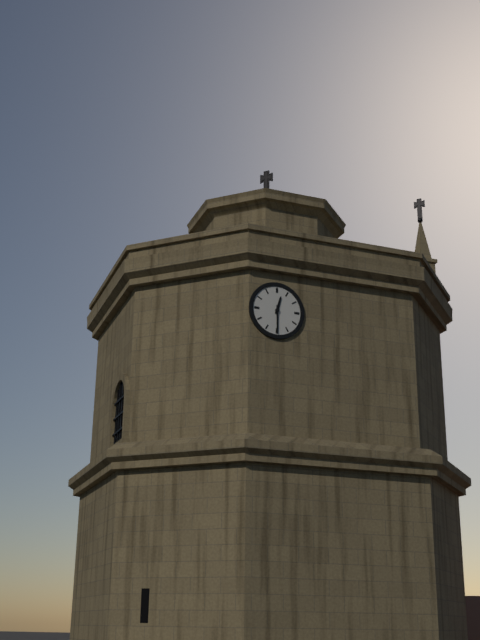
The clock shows {"hour": 12, "minute": 30}
